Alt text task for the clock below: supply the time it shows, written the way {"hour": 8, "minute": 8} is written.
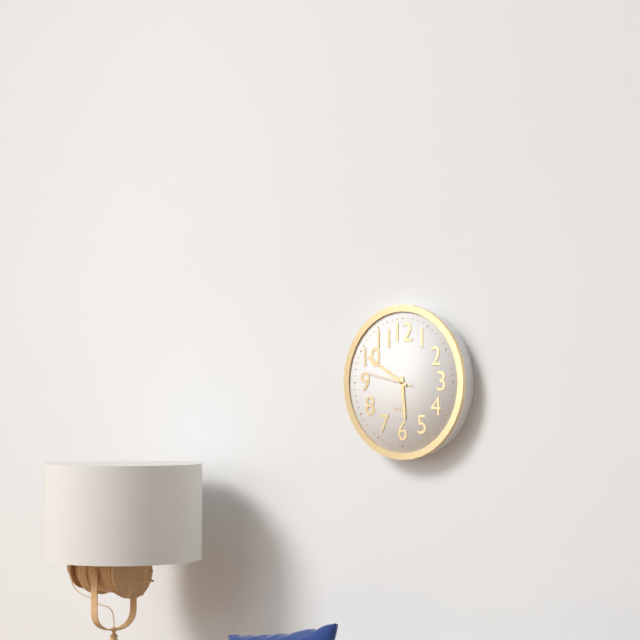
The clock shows {"hour": 5, "minute": 50}
